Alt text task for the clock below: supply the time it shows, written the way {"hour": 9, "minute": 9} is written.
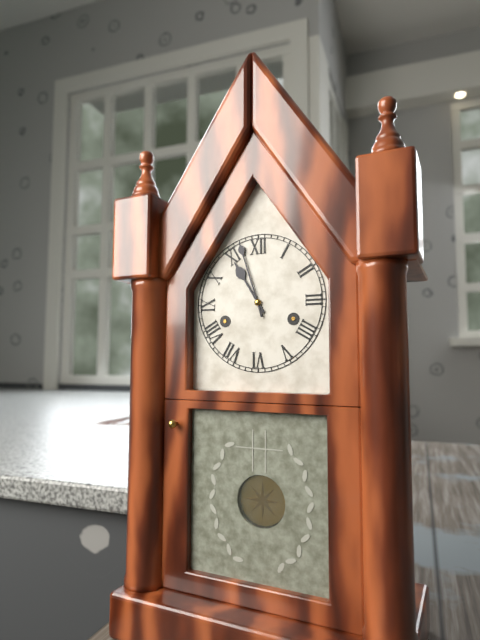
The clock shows {"hour": 10, "minute": 57}
